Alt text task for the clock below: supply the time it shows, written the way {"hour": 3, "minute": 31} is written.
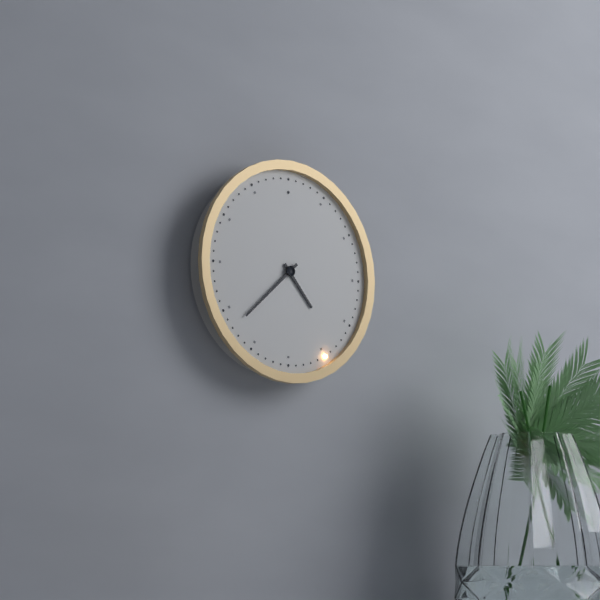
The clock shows {"hour": 4, "minute": 38}
